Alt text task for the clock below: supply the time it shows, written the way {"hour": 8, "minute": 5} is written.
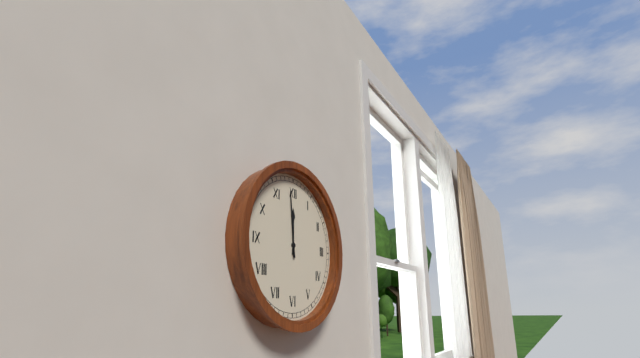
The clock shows {"hour": 11, "minute": 59}
